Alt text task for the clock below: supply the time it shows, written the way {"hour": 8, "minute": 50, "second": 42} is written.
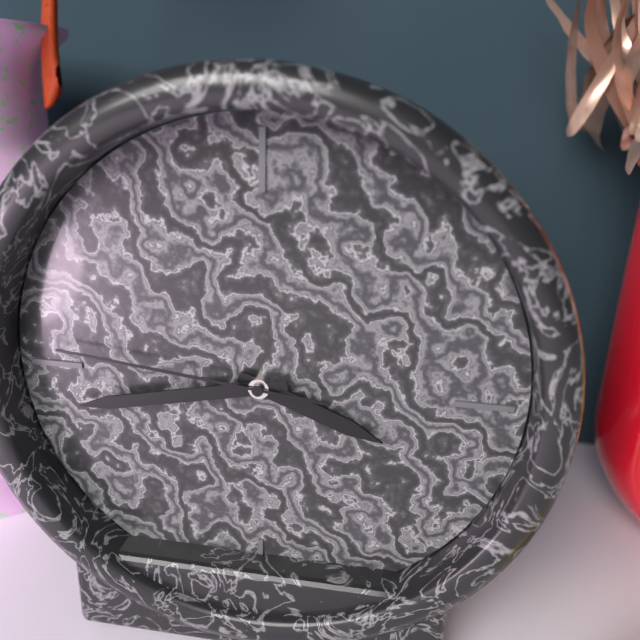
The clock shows {"hour": 3, "minute": 43, "second": 46}
